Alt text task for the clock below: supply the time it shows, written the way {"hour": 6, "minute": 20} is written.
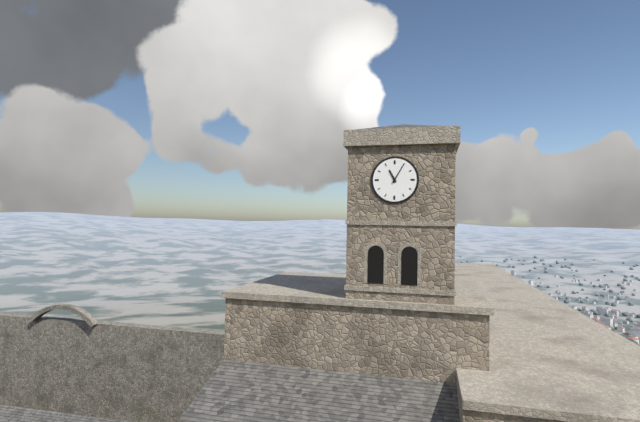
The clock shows {"hour": 11, "minute": 5}
